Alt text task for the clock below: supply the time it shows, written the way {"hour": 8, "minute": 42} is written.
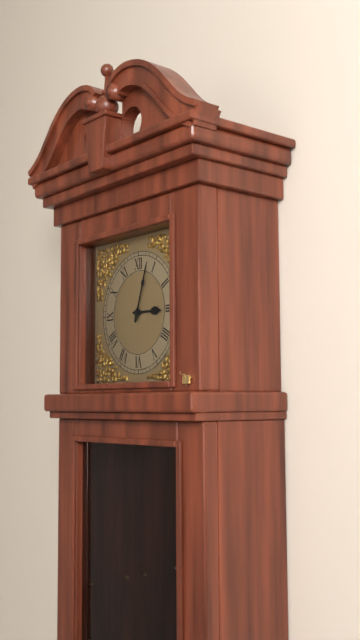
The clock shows {"hour": 3, "minute": 3}
